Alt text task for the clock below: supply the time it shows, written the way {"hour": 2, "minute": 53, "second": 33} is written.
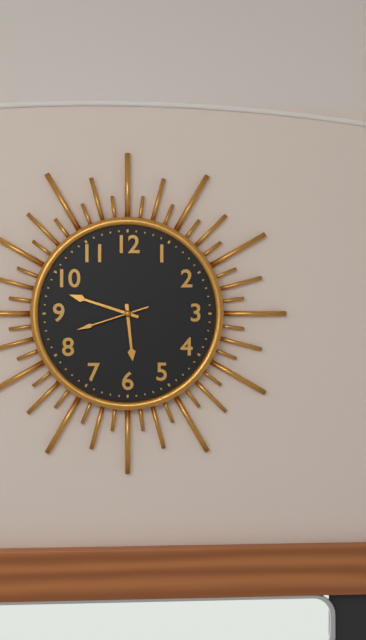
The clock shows {"hour": 5, "minute": 48, "second": 42}
